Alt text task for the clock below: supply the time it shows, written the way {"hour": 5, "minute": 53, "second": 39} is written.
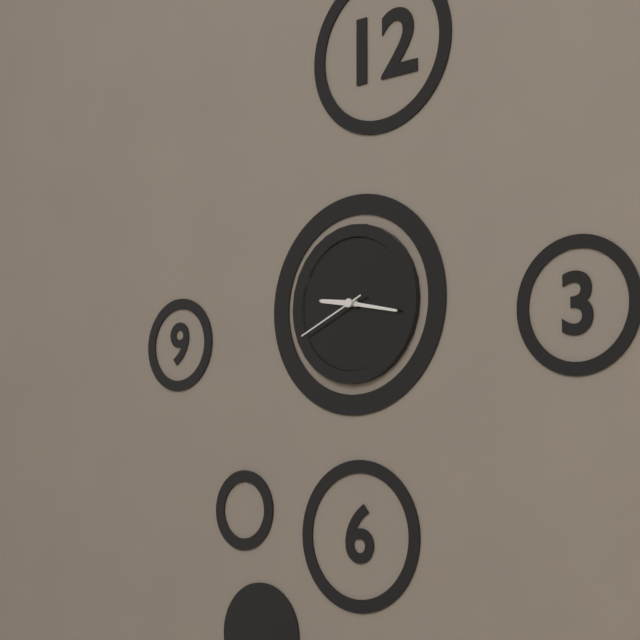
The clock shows {"hour": 9, "minute": 17, "second": 41}
